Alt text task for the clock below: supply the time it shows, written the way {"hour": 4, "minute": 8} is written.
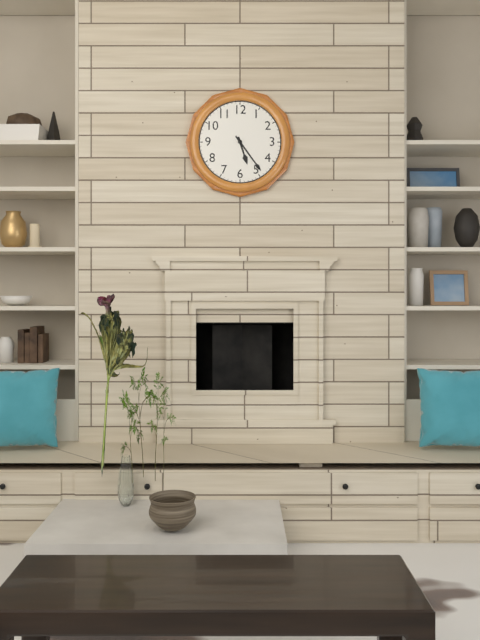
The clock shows {"hour": 5, "minute": 24}
